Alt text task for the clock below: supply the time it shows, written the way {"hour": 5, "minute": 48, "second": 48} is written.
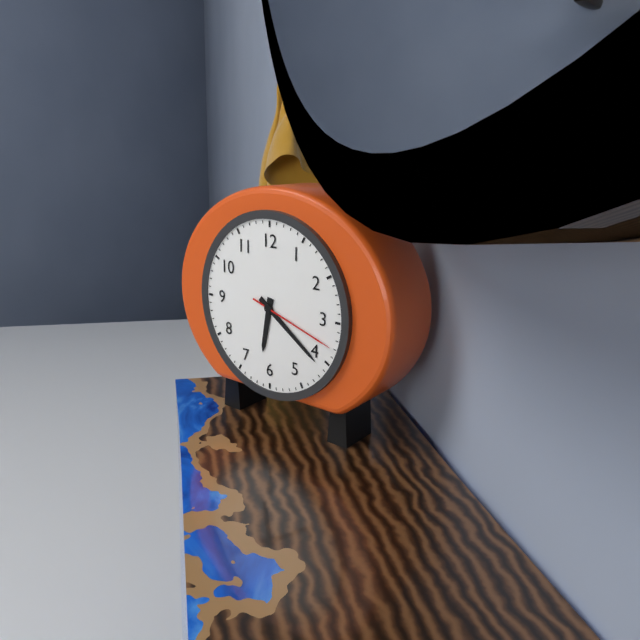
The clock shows {"hour": 6, "minute": 21, "second": 18}
